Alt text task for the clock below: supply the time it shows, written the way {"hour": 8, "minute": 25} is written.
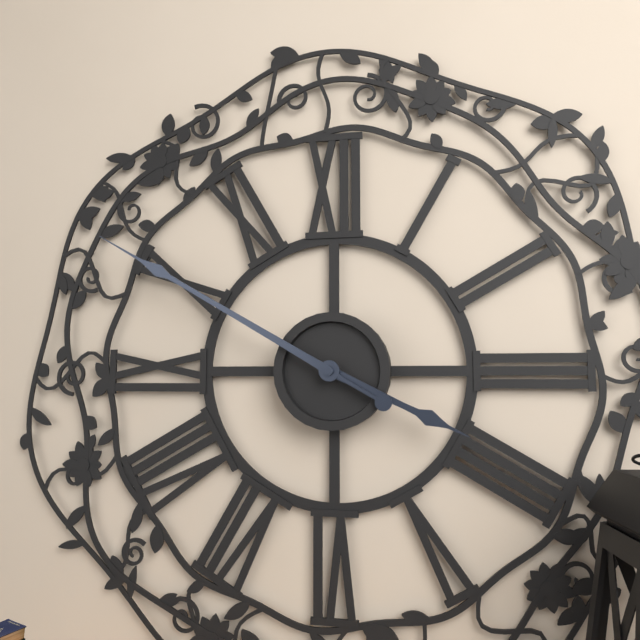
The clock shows {"hour": 3, "minute": 50}
